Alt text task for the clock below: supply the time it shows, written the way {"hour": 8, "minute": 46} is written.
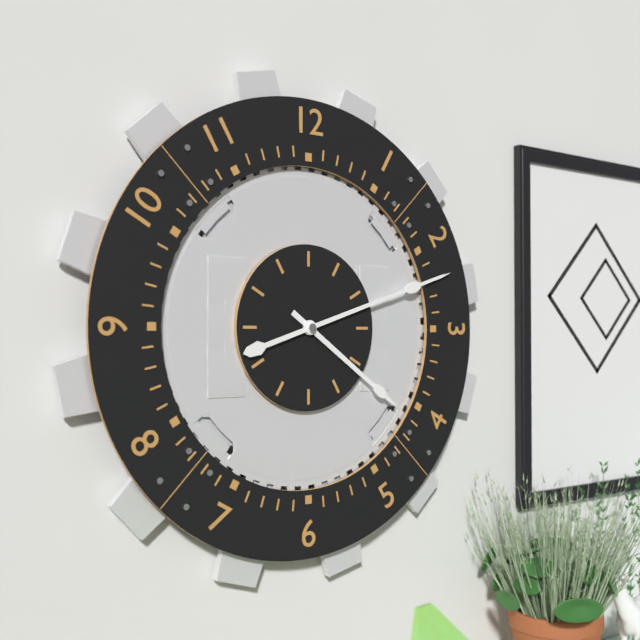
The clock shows {"hour": 4, "minute": 12}
